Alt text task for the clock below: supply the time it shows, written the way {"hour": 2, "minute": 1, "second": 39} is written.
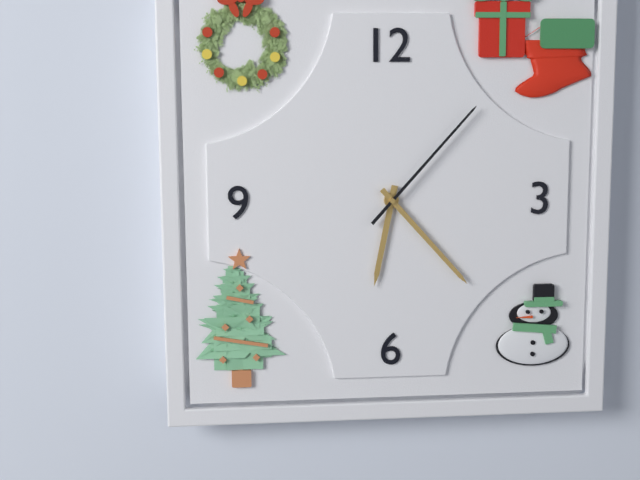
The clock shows {"hour": 6, "minute": 23, "second": 7}
